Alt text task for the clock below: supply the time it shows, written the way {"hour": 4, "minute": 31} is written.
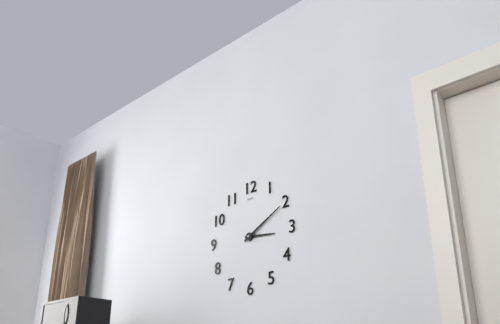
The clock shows {"hour": 3, "minute": 10}
